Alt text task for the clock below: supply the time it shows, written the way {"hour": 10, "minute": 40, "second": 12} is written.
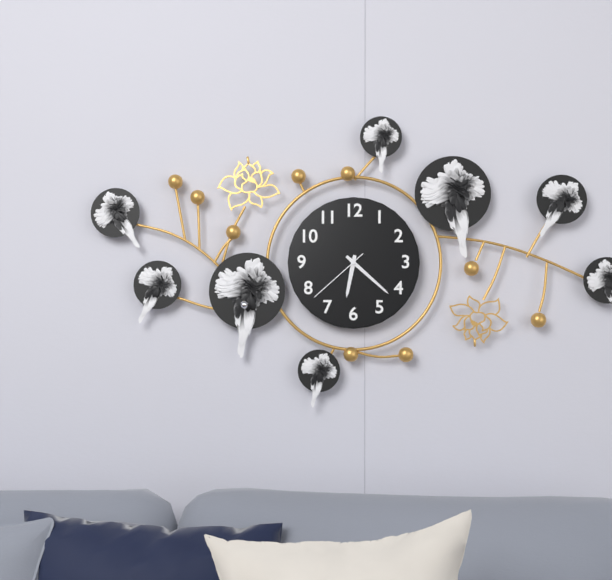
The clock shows {"hour": 6, "minute": 22, "second": 38}
